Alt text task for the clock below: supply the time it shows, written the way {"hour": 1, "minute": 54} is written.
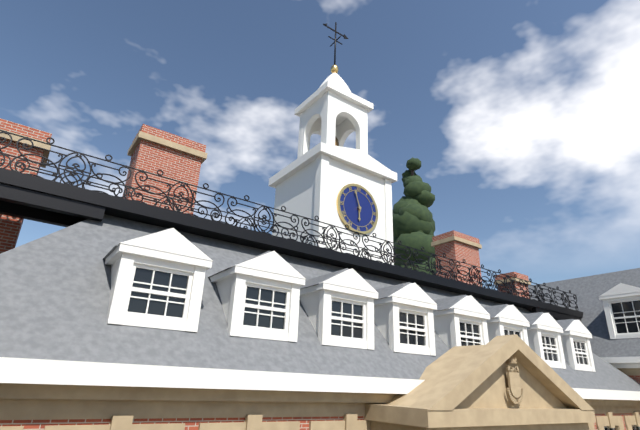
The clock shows {"hour": 5, "minute": 57}
